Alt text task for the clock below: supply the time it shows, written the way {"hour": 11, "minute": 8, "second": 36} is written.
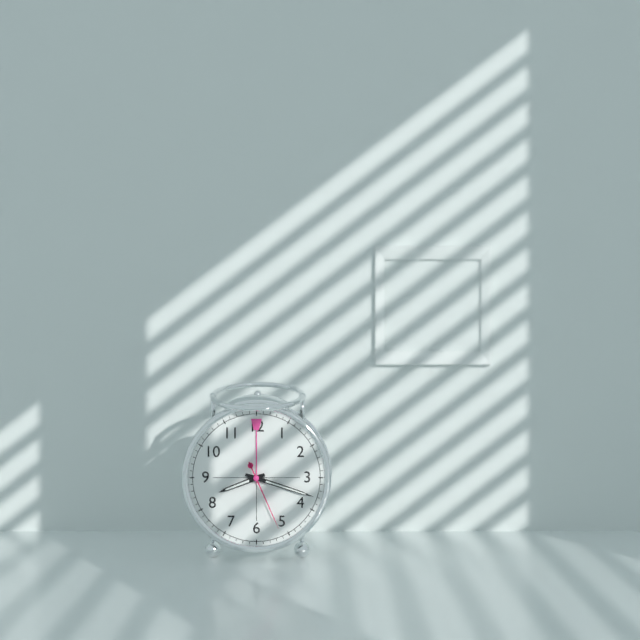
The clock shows {"hour": 8, "minute": 18, "second": 26}
